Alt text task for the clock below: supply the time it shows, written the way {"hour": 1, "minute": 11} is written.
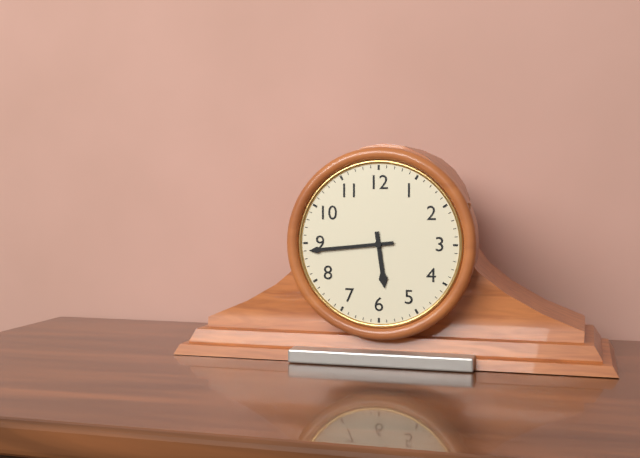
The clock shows {"hour": 5, "minute": 44}
